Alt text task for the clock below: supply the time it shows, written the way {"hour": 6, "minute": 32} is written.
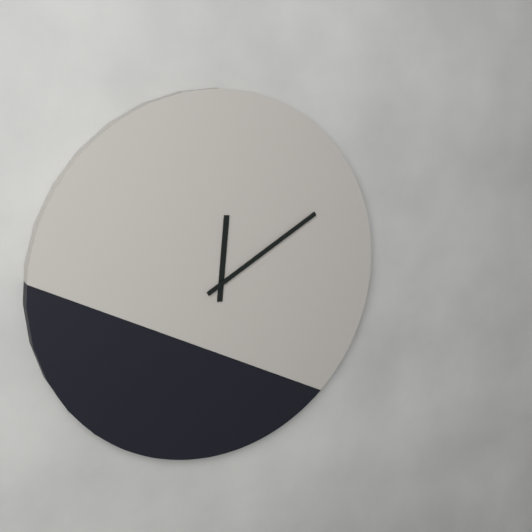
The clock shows {"hour": 12, "minute": 10}
